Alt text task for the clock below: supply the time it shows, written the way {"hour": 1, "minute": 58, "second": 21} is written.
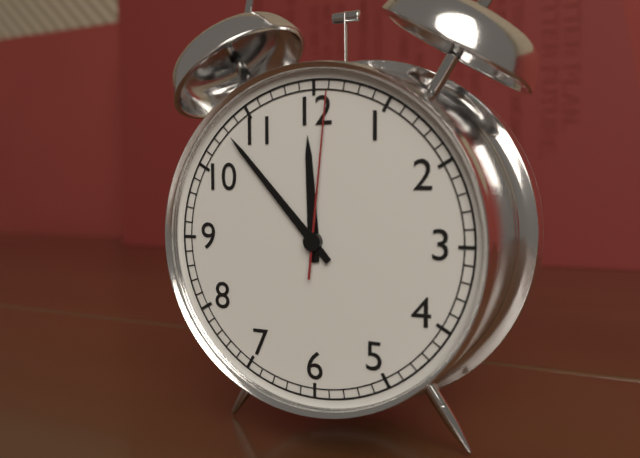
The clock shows {"hour": 11, "minute": 53, "second": 1}
